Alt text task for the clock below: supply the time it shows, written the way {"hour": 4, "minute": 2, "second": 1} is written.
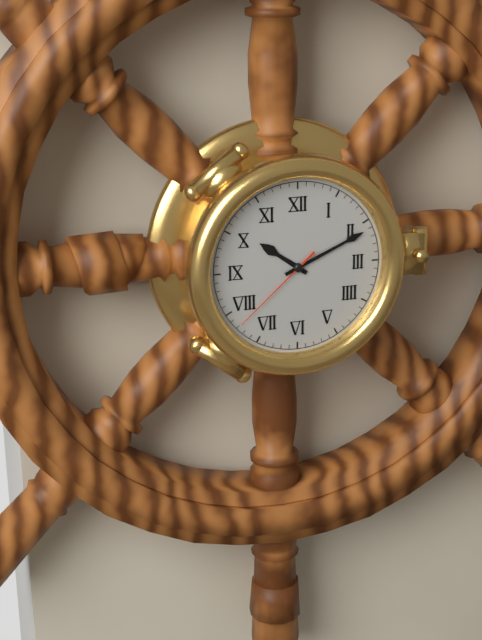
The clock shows {"hour": 10, "minute": 11, "second": 38}
